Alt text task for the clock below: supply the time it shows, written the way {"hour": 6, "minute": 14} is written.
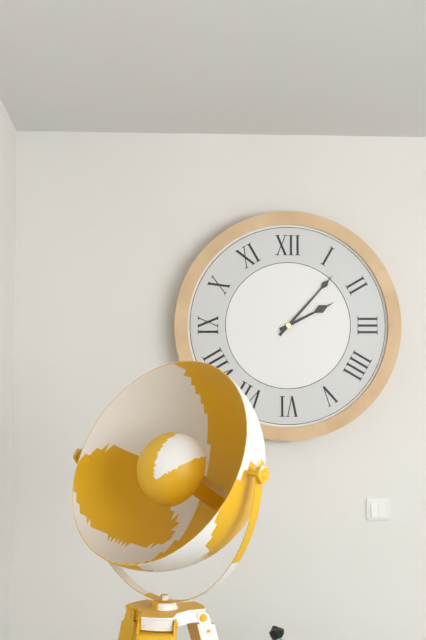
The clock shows {"hour": 2, "minute": 7}
